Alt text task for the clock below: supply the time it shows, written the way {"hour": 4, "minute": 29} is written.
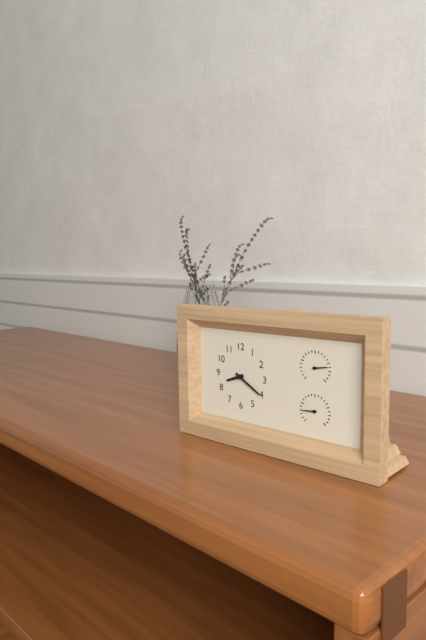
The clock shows {"hour": 8, "minute": 20}
